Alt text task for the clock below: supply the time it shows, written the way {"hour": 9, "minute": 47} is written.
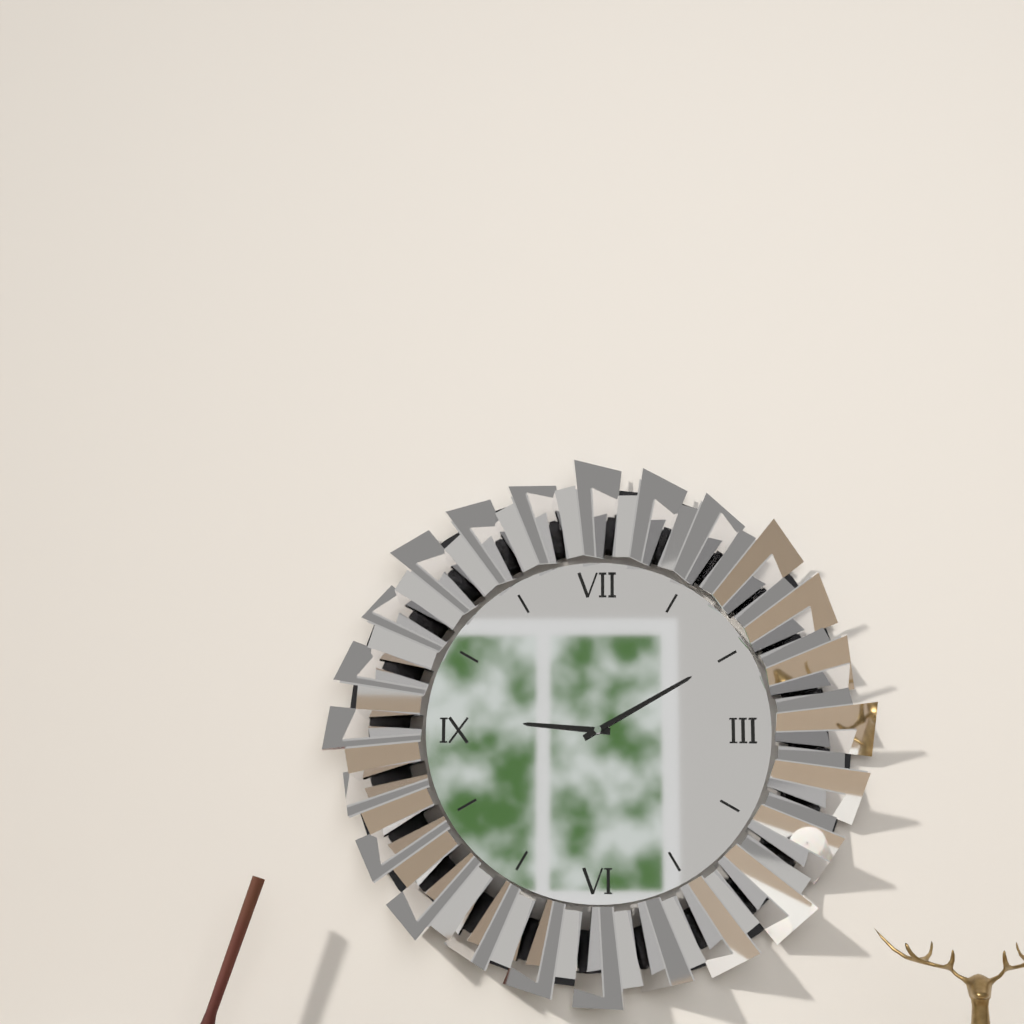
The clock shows {"hour": 9, "minute": 10}
